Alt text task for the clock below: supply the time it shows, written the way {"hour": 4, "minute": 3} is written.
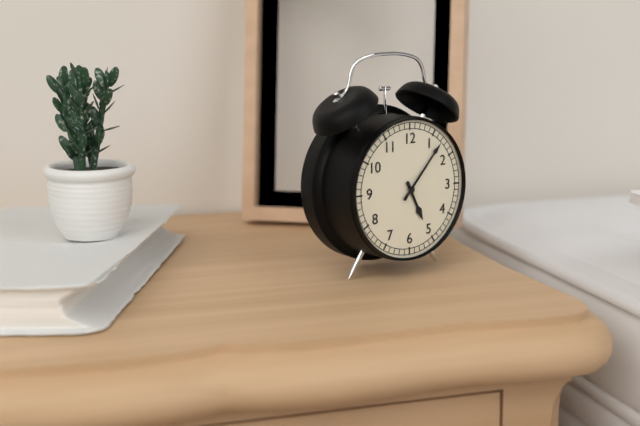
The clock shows {"hour": 5, "minute": 7}
